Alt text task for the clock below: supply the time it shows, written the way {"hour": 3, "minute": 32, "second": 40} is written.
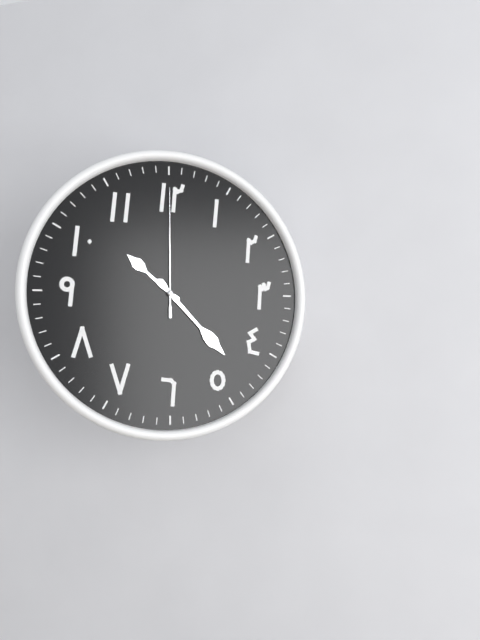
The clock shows {"hour": 10, "minute": 23, "second": 0}
